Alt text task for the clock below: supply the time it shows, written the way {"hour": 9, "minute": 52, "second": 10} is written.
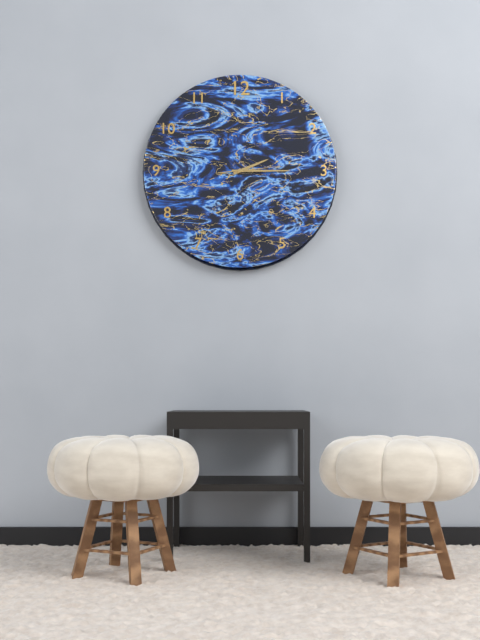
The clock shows {"hour": 2, "minute": 15, "second": 14}
